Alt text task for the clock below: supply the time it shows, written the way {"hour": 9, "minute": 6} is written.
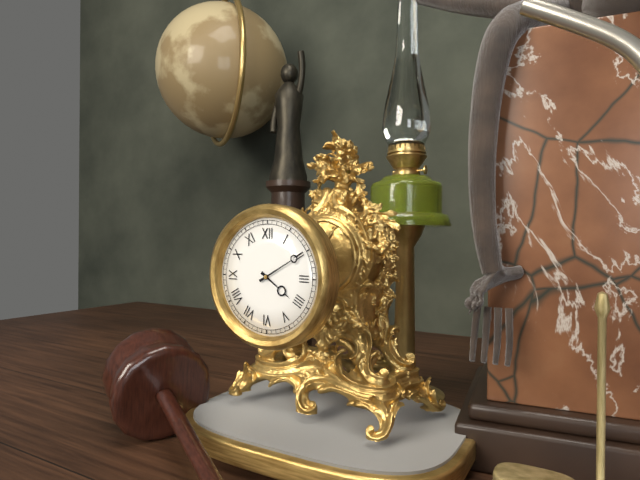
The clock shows {"hour": 4, "minute": 10}
